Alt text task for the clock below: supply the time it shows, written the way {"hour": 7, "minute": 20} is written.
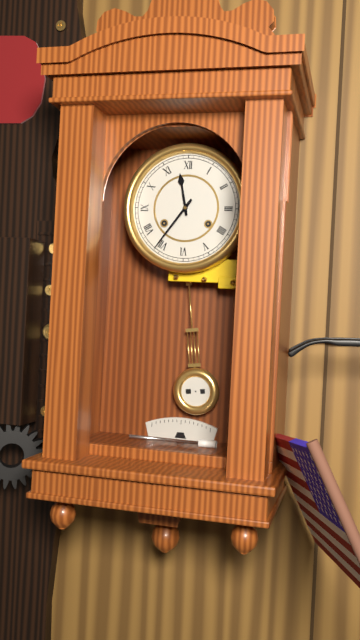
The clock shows {"hour": 11, "minute": 36}
